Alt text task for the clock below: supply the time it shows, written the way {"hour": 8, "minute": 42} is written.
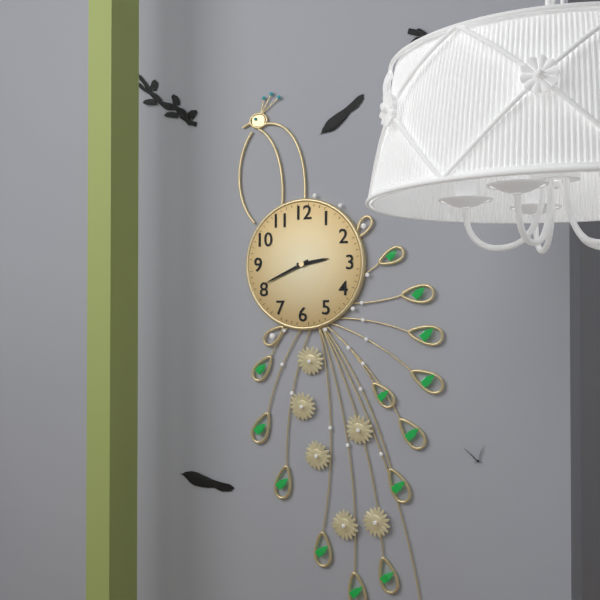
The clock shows {"hour": 2, "minute": 41}
